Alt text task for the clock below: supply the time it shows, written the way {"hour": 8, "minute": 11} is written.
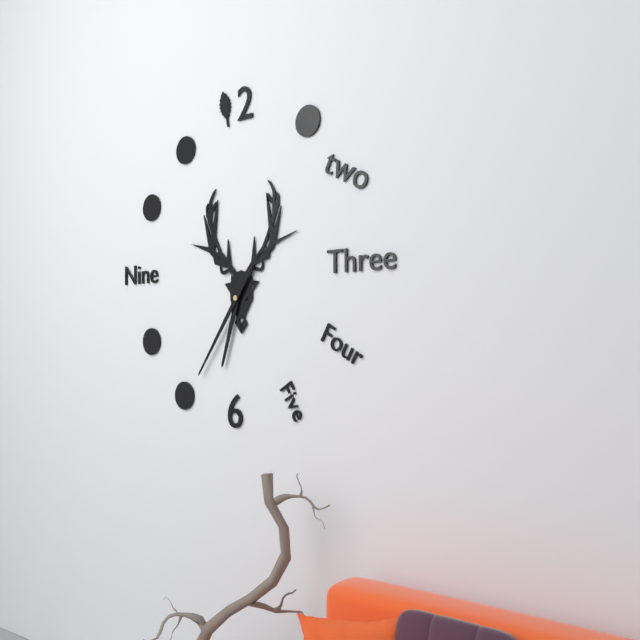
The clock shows {"hour": 6, "minute": 36}
